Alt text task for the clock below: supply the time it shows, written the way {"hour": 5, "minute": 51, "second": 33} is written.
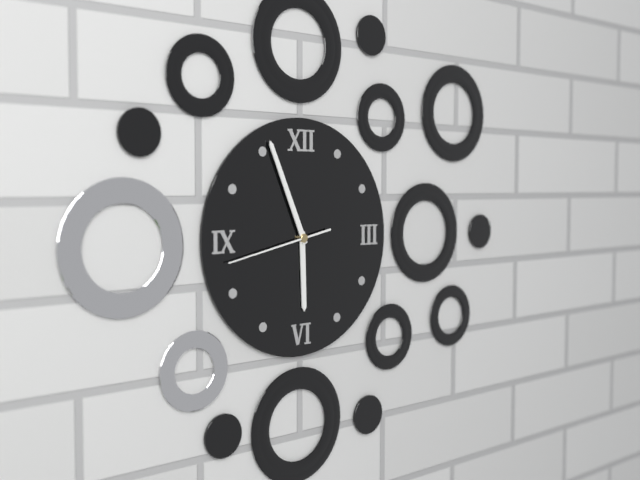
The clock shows {"hour": 5, "minute": 56, "second": 43}
